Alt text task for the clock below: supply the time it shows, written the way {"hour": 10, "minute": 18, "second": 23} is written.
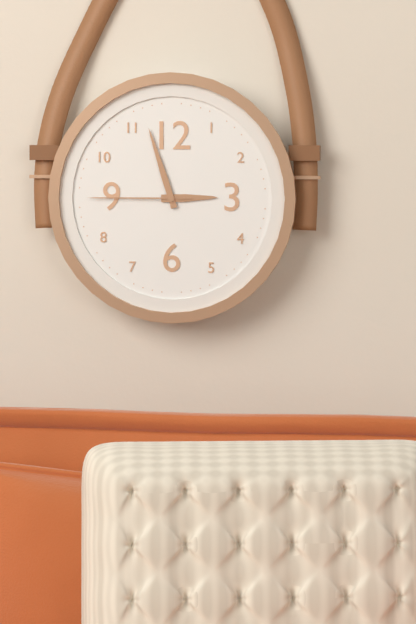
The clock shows {"hour": 2, "minute": 57, "second": 45}
